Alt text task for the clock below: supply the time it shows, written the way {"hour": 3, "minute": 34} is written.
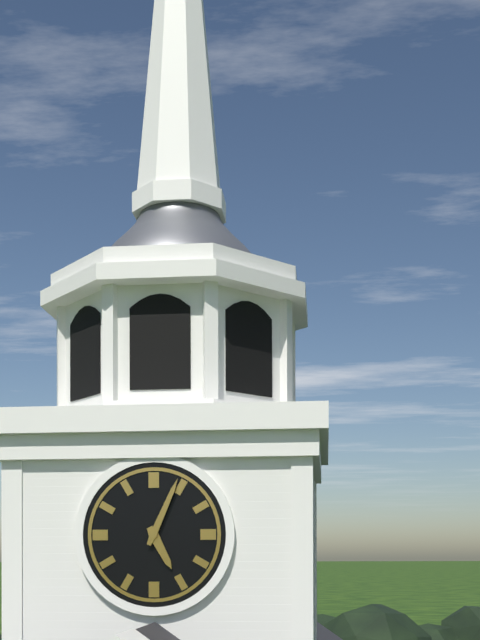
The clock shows {"hour": 5, "minute": 4}
